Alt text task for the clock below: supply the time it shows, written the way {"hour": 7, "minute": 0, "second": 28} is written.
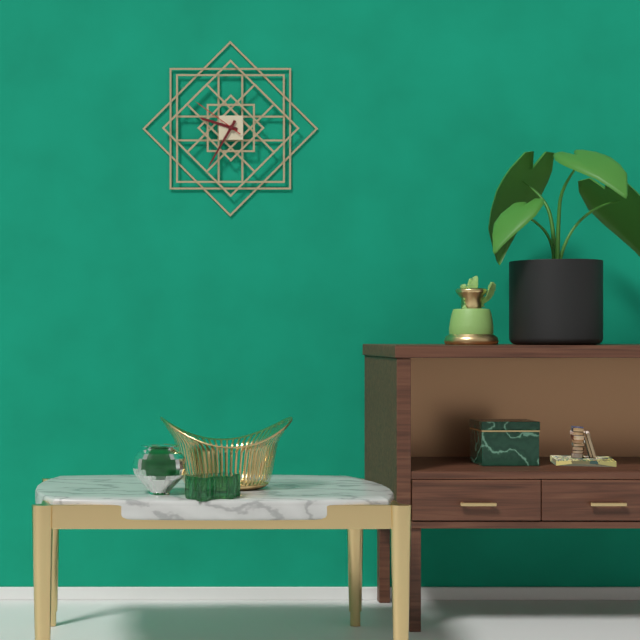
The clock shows {"hour": 9, "minute": 35, "second": 51}
